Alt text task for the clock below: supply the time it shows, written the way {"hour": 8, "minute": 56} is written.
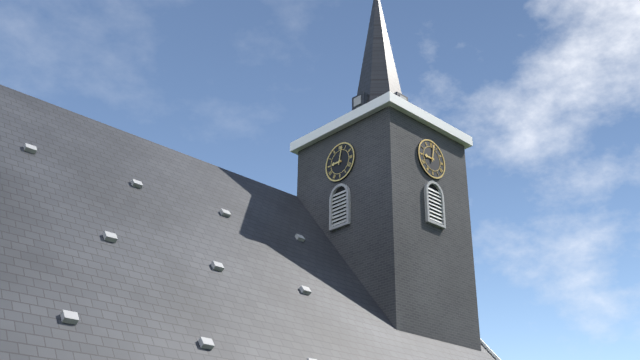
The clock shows {"hour": 9, "minute": 2}
